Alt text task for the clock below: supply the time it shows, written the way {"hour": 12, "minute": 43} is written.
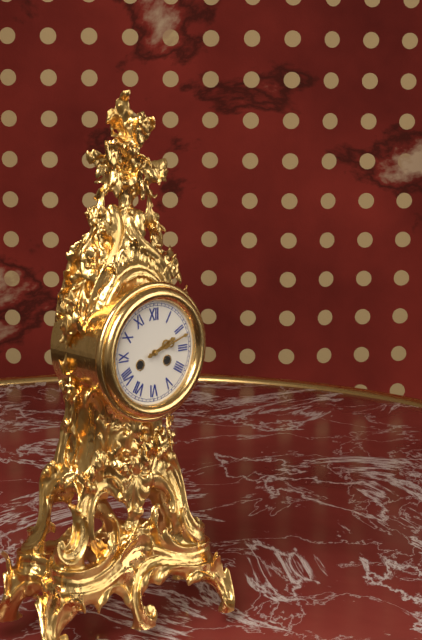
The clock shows {"hour": 2, "minute": 12}
